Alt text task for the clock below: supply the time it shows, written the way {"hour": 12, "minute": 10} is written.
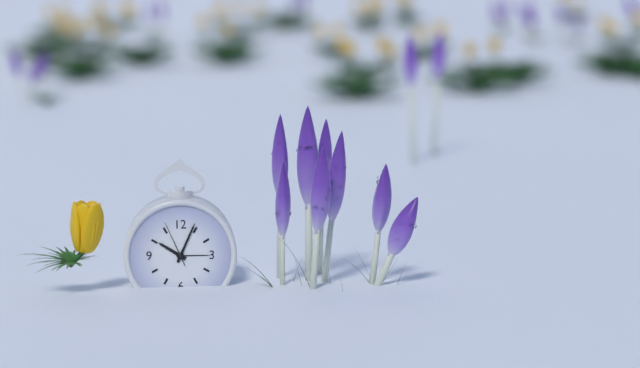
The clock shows {"hour": 10, "minute": 4}
